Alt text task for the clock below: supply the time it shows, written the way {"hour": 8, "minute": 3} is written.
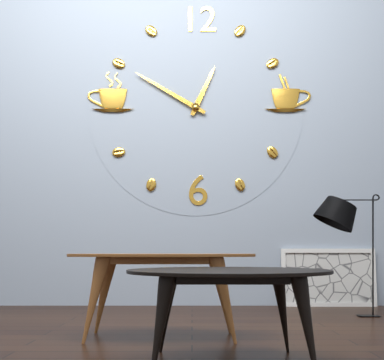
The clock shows {"hour": 12, "minute": 50}
